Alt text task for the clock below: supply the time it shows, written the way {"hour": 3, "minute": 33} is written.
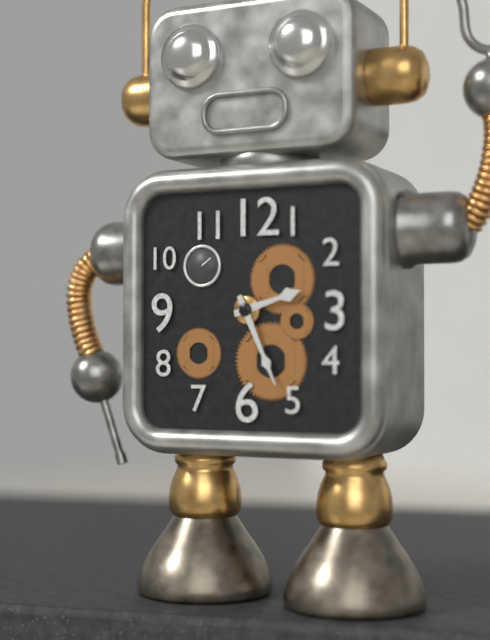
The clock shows {"hour": 2, "minute": 26}
